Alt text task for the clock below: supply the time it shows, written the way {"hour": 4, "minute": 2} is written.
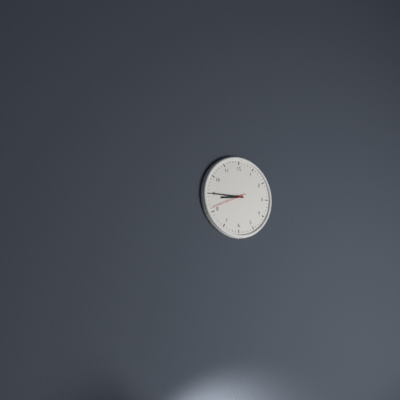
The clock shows {"hour": 8, "minute": 45}
